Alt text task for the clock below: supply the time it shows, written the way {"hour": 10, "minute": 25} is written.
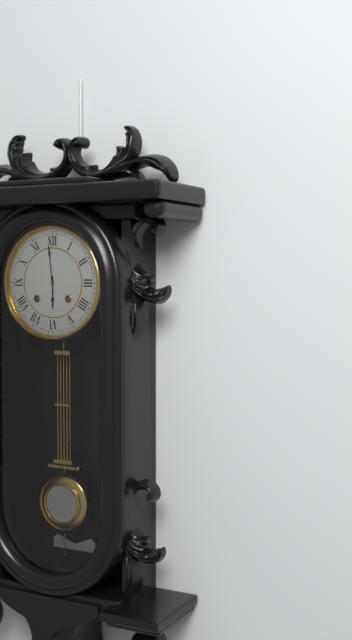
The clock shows {"hour": 5, "minute": 59}
